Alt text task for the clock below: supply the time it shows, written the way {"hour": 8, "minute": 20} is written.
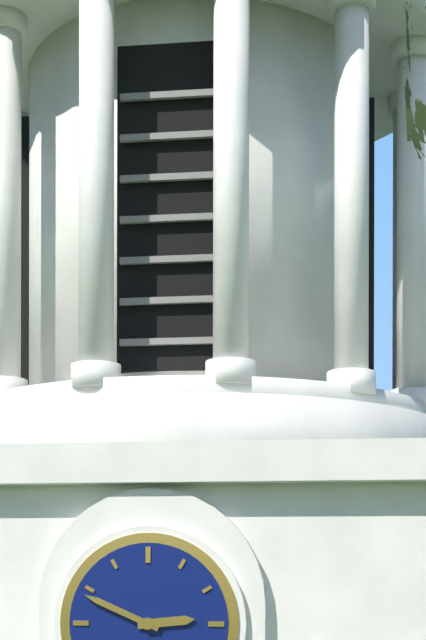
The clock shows {"hour": 2, "minute": 49}
